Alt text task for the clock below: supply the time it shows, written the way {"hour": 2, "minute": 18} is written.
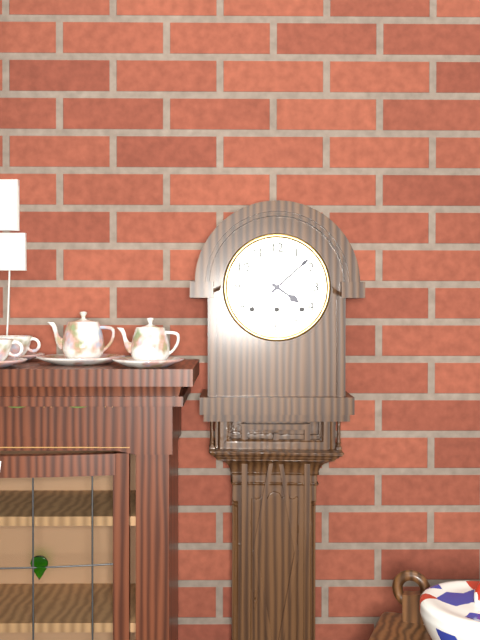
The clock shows {"hour": 4, "minute": 8}
